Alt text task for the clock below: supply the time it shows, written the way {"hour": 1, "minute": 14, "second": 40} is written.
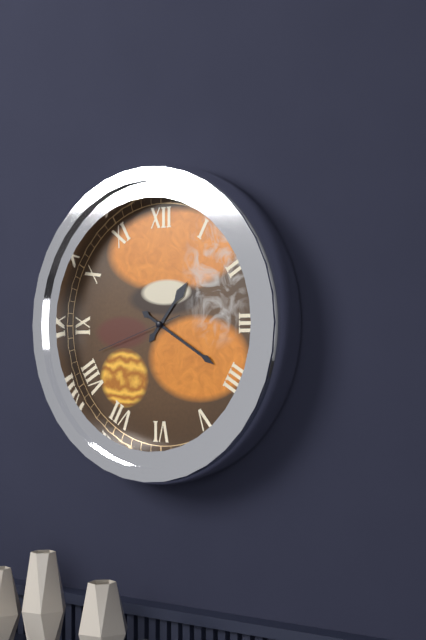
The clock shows {"hour": 1, "minute": 20, "second": 42}
